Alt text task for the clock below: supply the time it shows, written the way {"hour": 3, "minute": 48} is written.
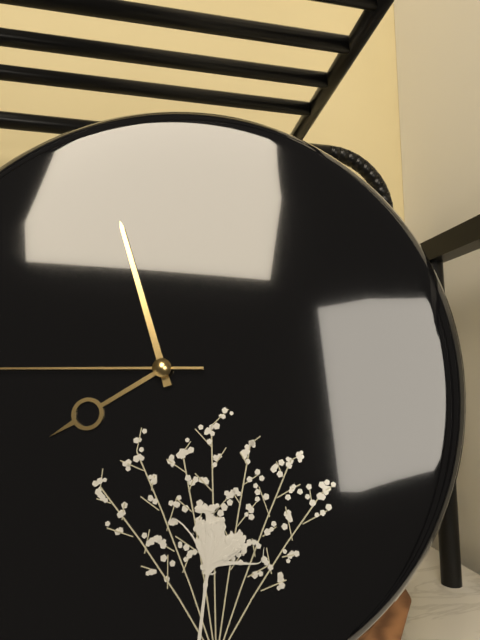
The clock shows {"hour": 7, "minute": 57}
